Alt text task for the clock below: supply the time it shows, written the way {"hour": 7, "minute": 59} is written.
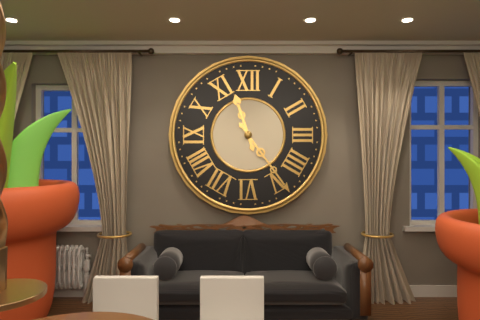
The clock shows {"hour": 11, "minute": 24}
